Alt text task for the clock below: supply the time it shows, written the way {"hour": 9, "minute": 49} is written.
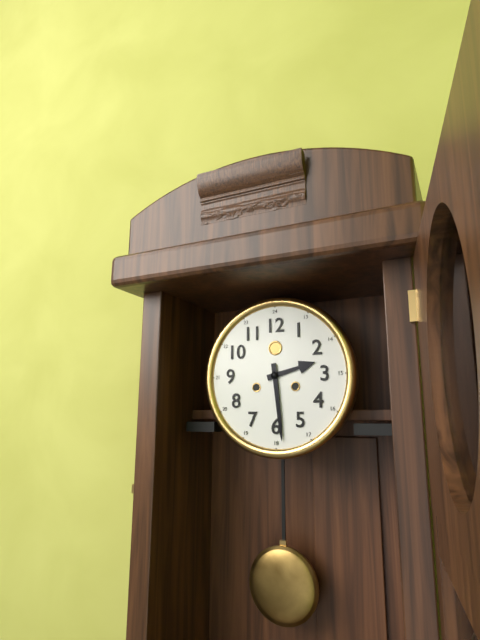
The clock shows {"hour": 2, "minute": 29}
